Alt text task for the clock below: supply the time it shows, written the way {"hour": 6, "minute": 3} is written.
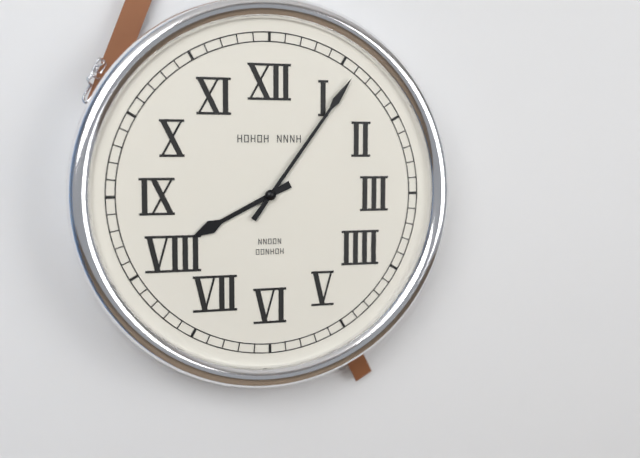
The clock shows {"hour": 8, "minute": 6}
